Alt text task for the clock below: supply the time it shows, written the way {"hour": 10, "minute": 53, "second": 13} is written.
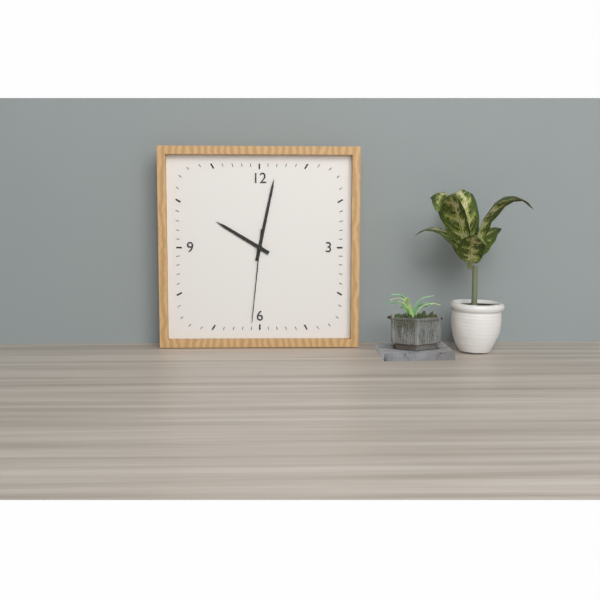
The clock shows {"hour": 10, "minute": 2, "second": 31}
